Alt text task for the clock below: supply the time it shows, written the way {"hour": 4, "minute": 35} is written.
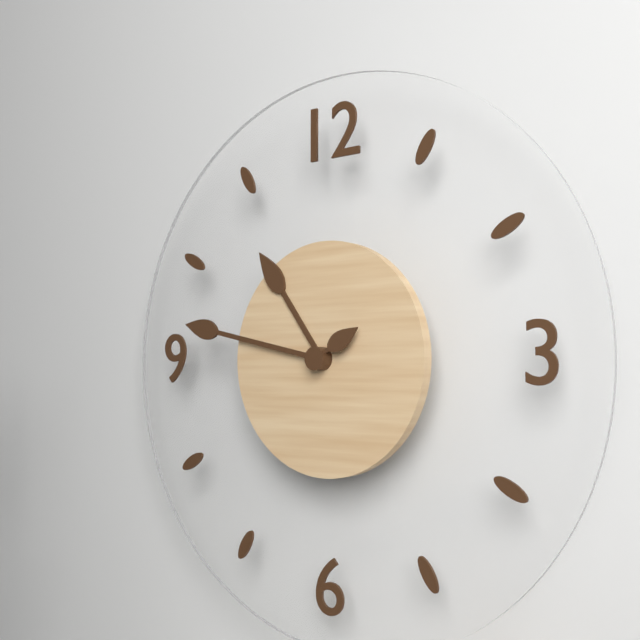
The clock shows {"hour": 10, "minute": 47}
